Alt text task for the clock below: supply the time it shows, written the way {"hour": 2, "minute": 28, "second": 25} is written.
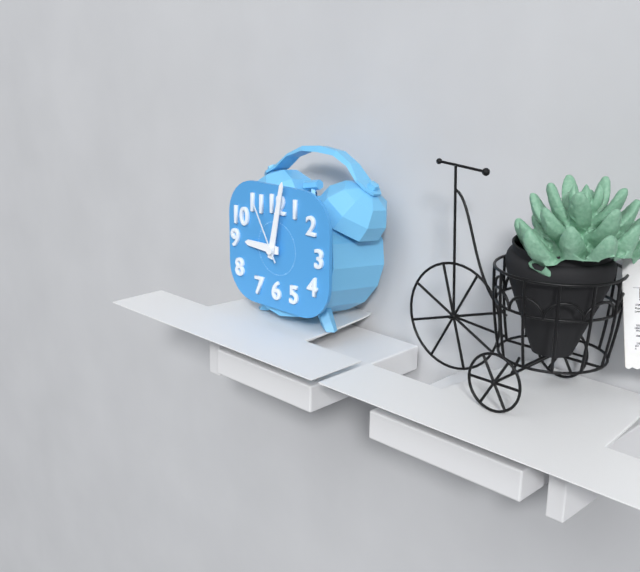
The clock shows {"hour": 9, "minute": 2, "second": 55}
